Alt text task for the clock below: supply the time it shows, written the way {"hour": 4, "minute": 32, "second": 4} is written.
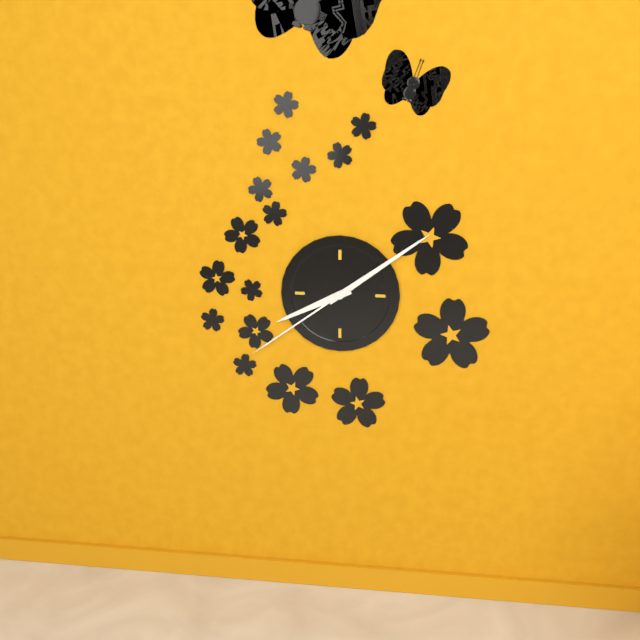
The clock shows {"hour": 8, "minute": 9, "second": 39}
